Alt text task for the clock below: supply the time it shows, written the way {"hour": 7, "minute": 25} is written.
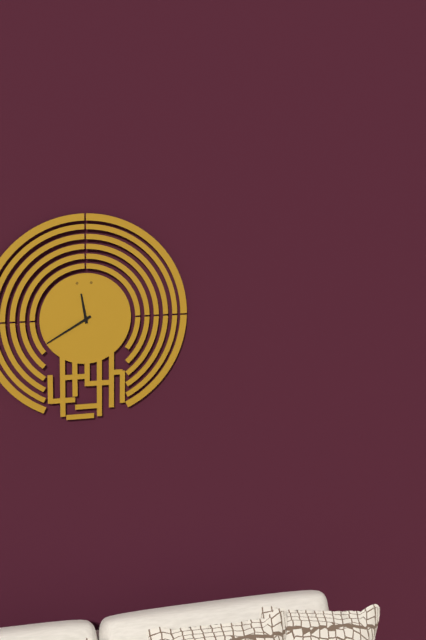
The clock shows {"hour": 11, "minute": 40}
